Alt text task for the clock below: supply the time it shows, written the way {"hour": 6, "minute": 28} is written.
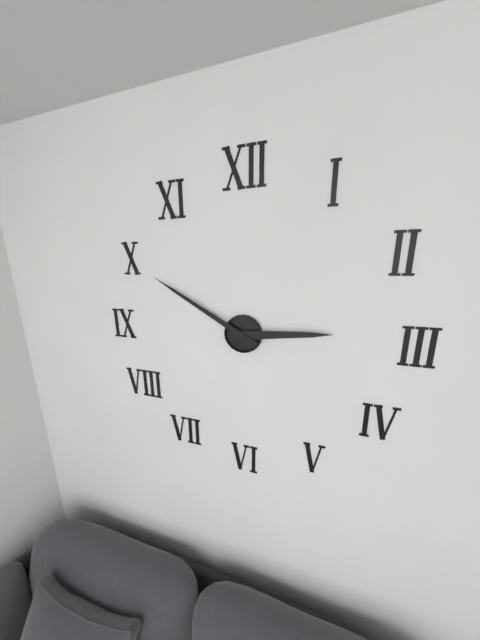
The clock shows {"hour": 2, "minute": 50}
